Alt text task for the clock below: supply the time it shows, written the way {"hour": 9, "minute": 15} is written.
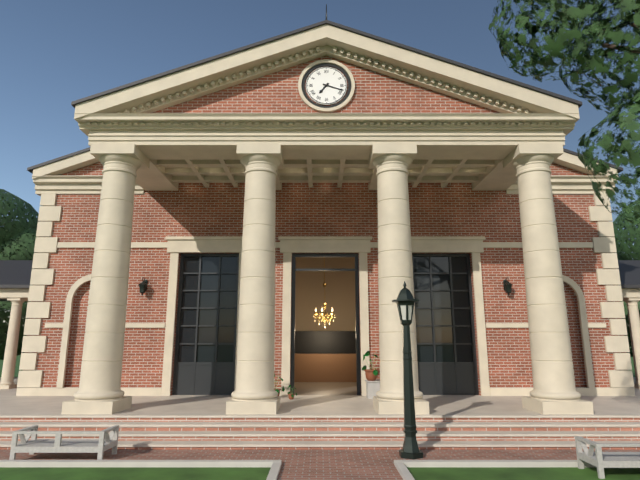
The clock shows {"hour": 7, "minute": 18}
